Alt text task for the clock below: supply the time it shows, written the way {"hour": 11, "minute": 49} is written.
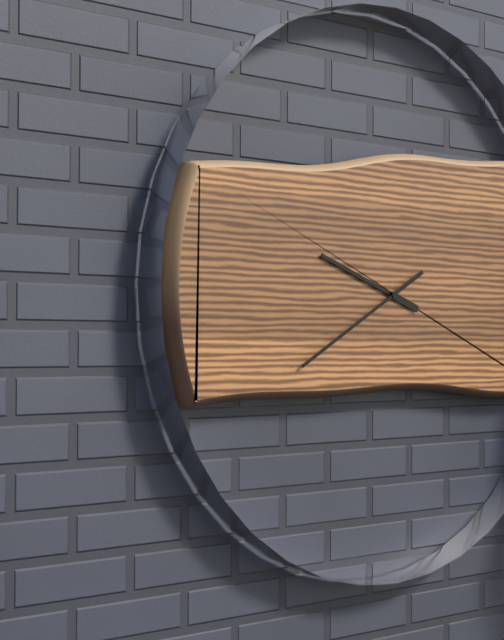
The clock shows {"hour": 9, "minute": 40}
